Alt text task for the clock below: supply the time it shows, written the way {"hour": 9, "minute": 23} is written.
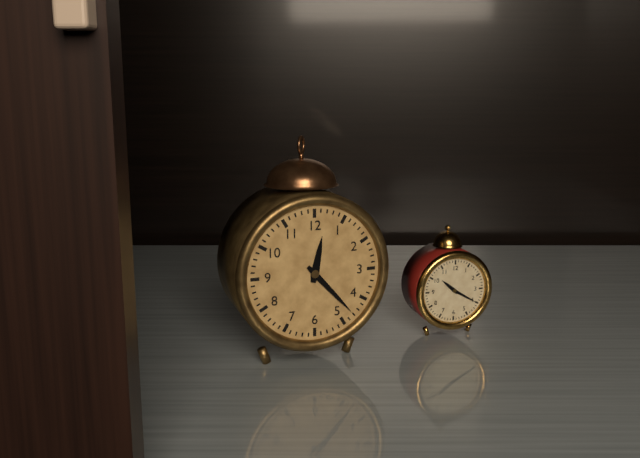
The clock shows {"hour": 12, "minute": 23}
